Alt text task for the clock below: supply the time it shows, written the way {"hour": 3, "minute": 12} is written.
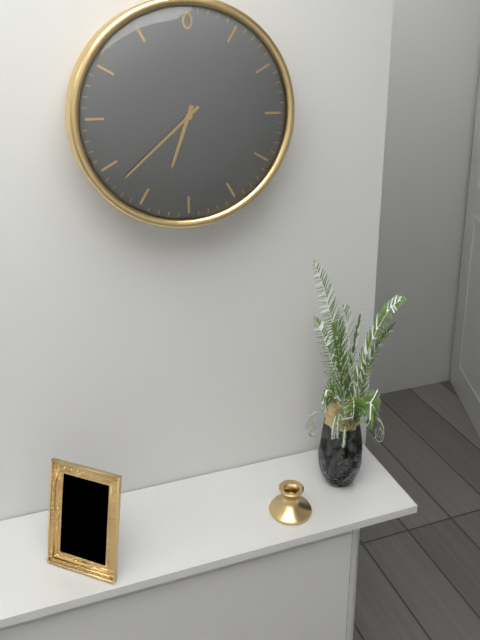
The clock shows {"hour": 6, "minute": 38}
